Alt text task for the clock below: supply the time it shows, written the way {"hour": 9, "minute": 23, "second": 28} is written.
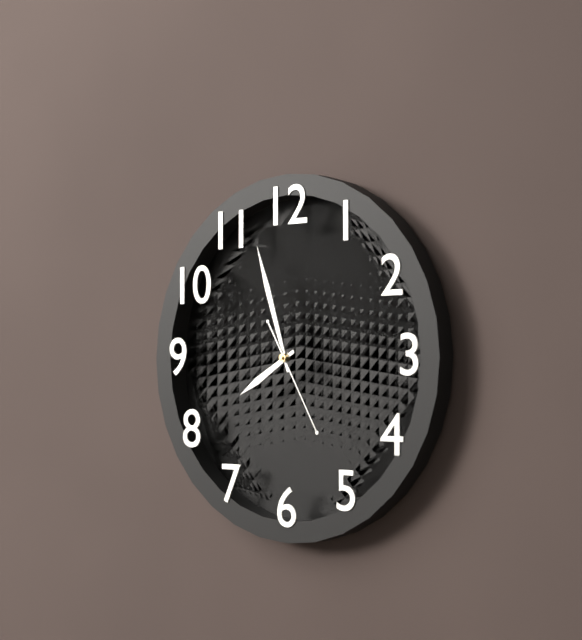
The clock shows {"hour": 7, "minute": 57, "second": 25}
